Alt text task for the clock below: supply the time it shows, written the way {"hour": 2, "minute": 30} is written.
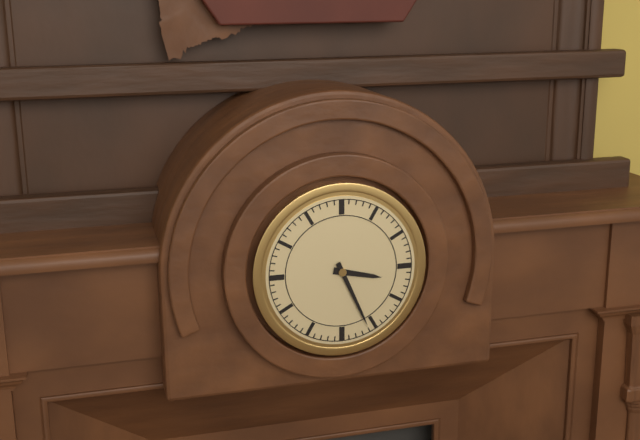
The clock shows {"hour": 3, "minute": 26}
